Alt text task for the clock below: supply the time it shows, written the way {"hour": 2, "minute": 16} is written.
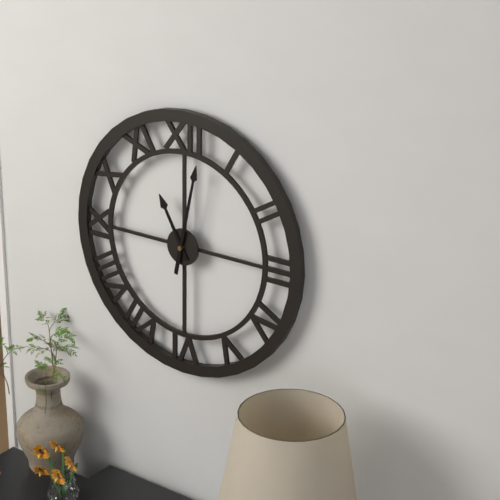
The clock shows {"hour": 11, "minute": 2}
